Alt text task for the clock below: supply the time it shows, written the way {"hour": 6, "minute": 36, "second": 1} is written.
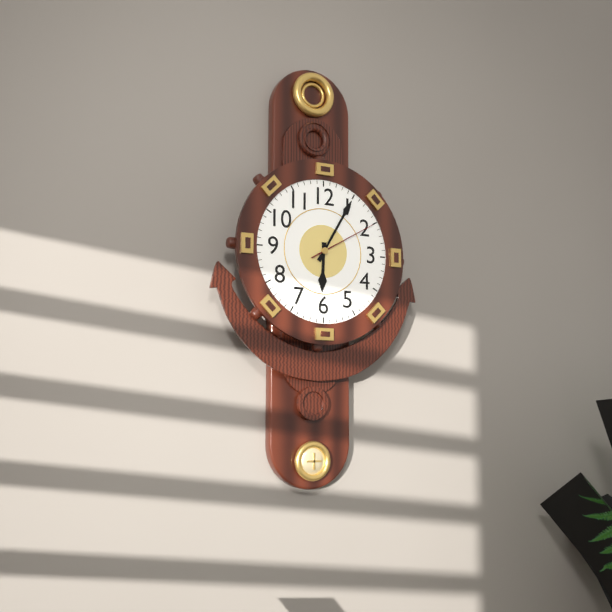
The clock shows {"hour": 6, "minute": 5, "second": 10}
